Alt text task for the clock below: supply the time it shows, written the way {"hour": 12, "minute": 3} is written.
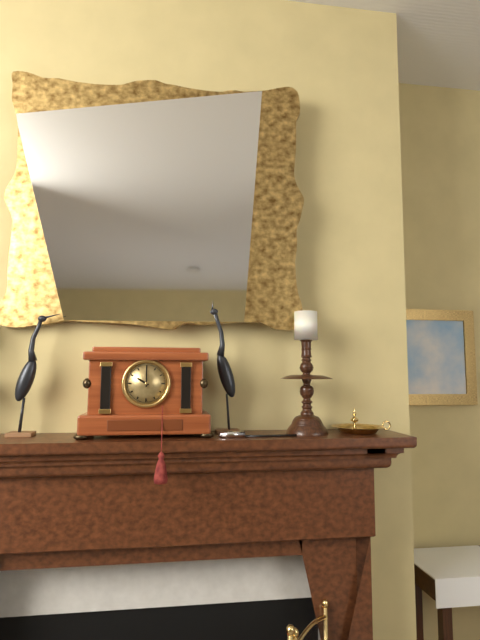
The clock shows {"hour": 10, "minute": 0}
